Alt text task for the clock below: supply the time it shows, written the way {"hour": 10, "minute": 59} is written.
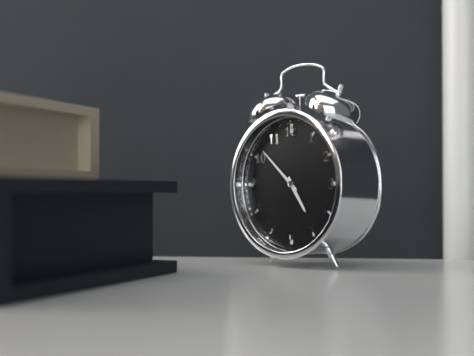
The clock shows {"hour": 4, "minute": 52}
